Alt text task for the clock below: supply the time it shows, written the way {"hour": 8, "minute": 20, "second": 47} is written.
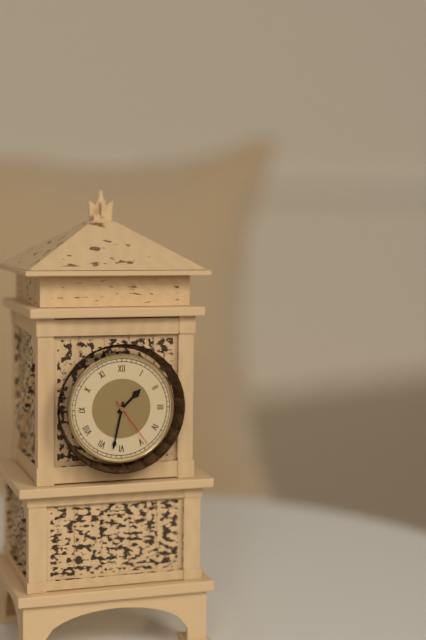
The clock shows {"hour": 1, "minute": 32, "second": 24}
